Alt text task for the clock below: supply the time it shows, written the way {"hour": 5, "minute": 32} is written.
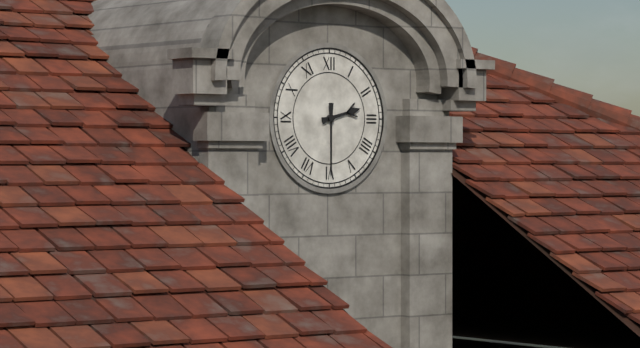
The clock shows {"hour": 2, "minute": 30}
